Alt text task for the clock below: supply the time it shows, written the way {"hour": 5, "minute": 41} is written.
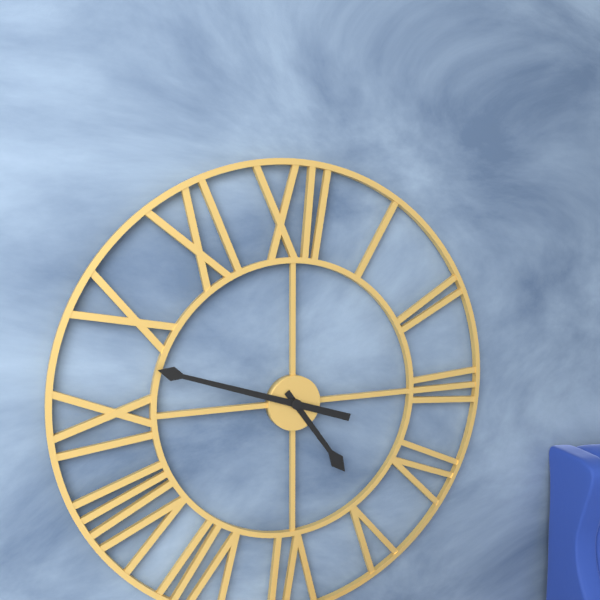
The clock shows {"hour": 4, "minute": 48}
